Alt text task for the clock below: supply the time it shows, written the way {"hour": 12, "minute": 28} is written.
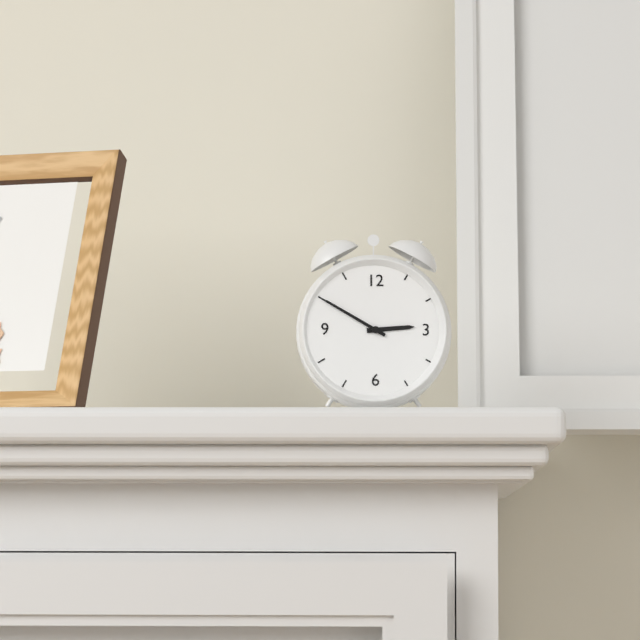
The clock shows {"hour": 2, "minute": 50}
